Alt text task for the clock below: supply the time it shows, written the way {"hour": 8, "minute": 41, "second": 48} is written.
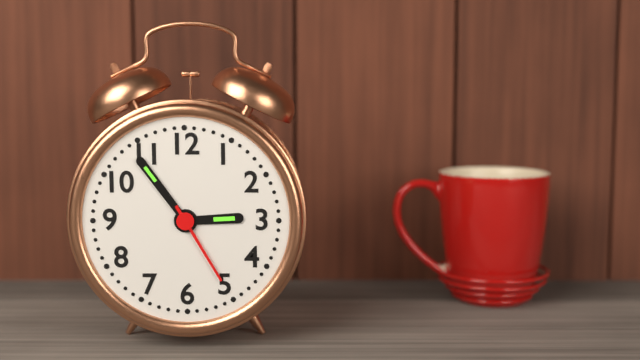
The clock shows {"hour": 2, "minute": 54, "second": 25}
